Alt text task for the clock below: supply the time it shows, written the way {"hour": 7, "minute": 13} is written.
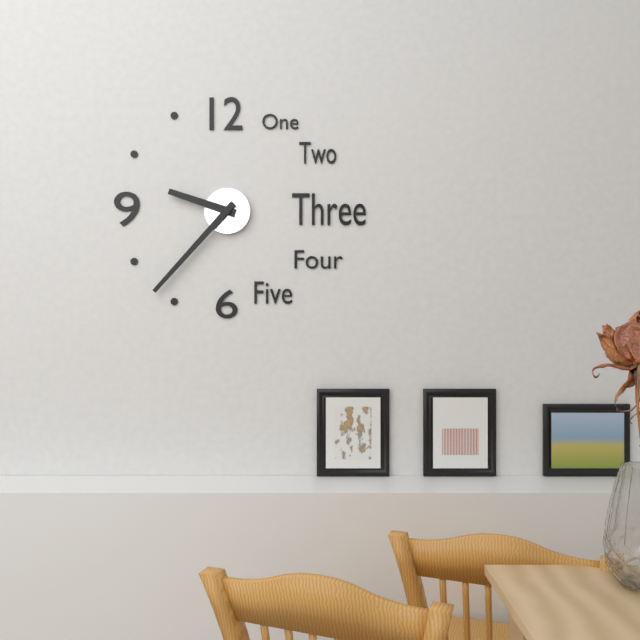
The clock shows {"hour": 9, "minute": 37}
